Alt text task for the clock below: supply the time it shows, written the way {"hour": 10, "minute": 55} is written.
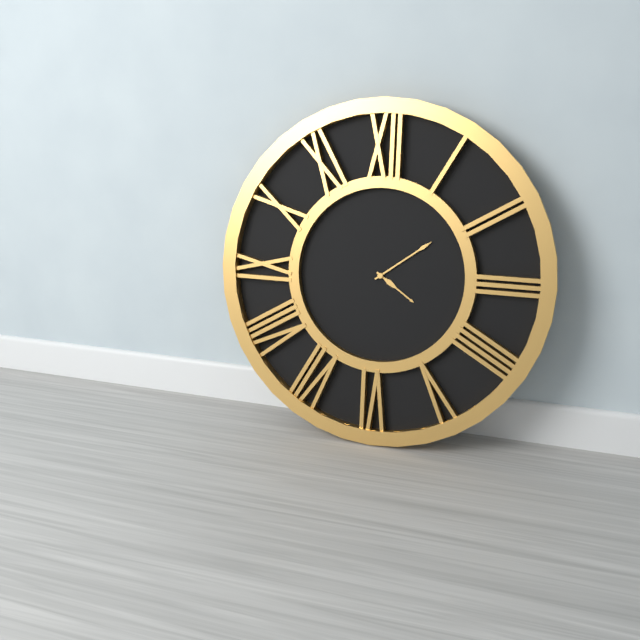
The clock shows {"hour": 4, "minute": 9}
